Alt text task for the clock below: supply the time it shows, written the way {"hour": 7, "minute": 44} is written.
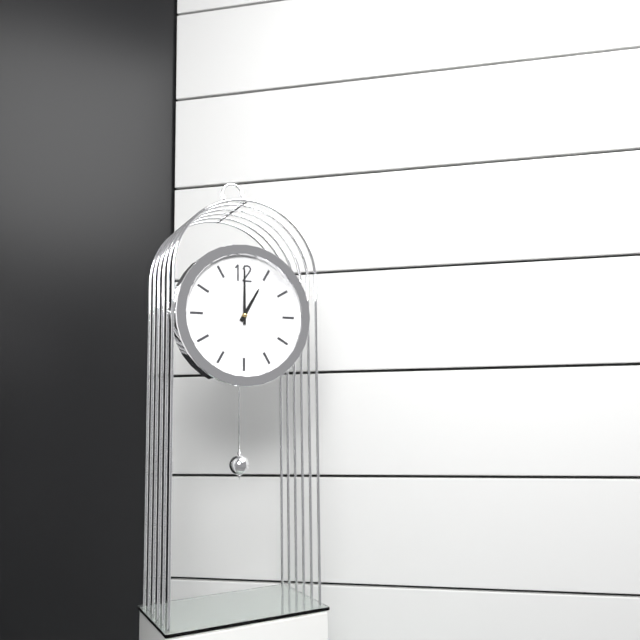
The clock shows {"hour": 1, "minute": 0}
